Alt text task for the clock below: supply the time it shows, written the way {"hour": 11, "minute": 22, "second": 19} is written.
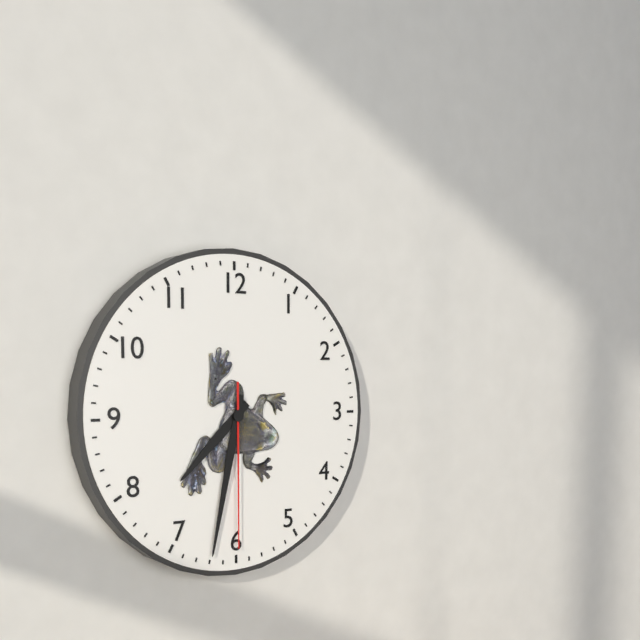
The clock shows {"hour": 7, "minute": 32, "second": 30}
